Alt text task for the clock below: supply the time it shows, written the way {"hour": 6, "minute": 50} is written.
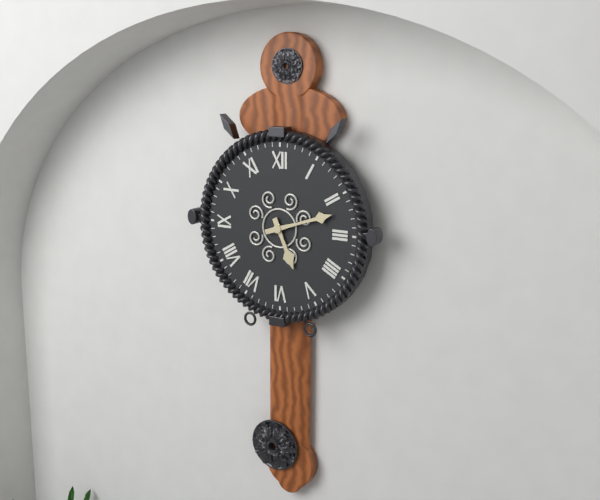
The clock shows {"hour": 5, "minute": 12}
